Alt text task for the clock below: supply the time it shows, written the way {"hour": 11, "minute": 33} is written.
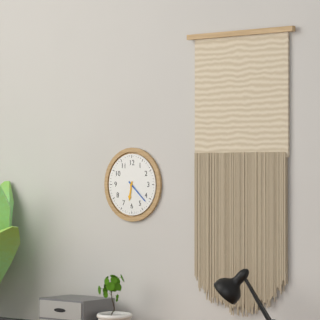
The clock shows {"hour": 6, "minute": 22}
